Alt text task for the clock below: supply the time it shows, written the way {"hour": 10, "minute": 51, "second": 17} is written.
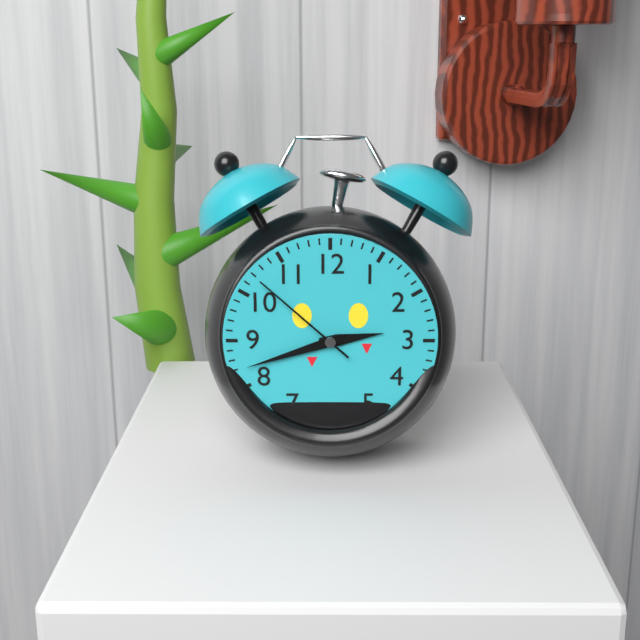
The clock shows {"hour": 2, "minute": 42, "second": 52}
